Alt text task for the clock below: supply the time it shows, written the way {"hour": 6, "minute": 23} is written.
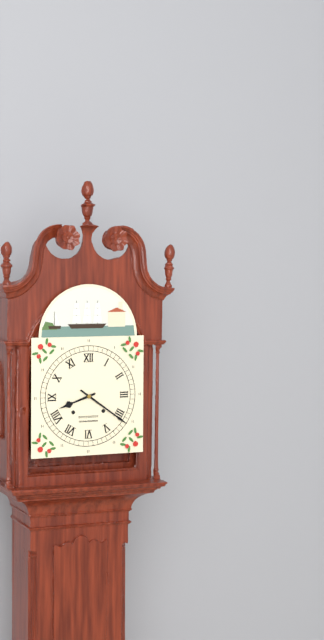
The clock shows {"hour": 8, "minute": 21}
